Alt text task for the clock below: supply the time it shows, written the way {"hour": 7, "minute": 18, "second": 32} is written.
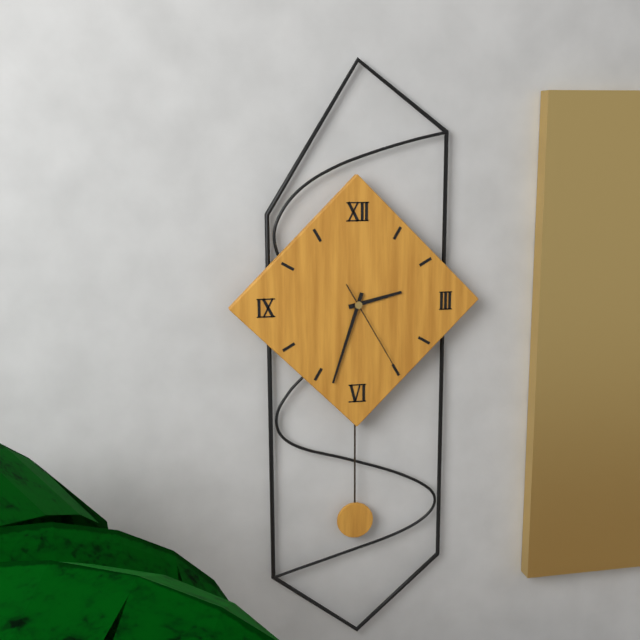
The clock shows {"hour": 2, "minute": 33, "second": 25}
